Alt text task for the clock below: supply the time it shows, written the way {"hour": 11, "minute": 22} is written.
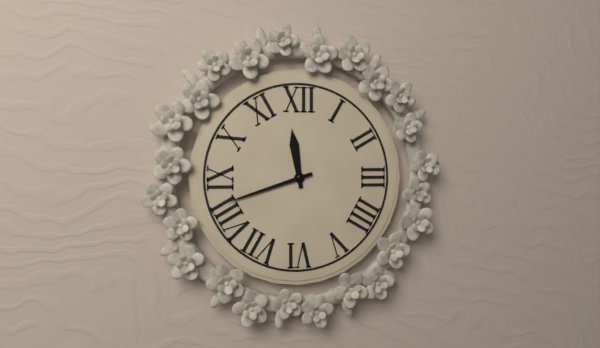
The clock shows {"hour": 11, "minute": 42}
